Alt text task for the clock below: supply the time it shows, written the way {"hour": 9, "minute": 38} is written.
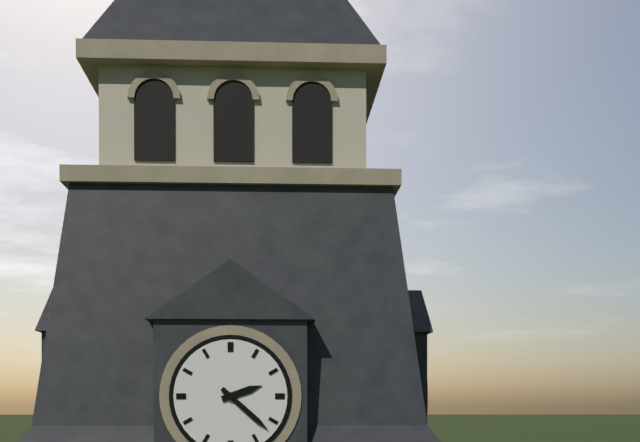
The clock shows {"hour": 2, "minute": 22}
